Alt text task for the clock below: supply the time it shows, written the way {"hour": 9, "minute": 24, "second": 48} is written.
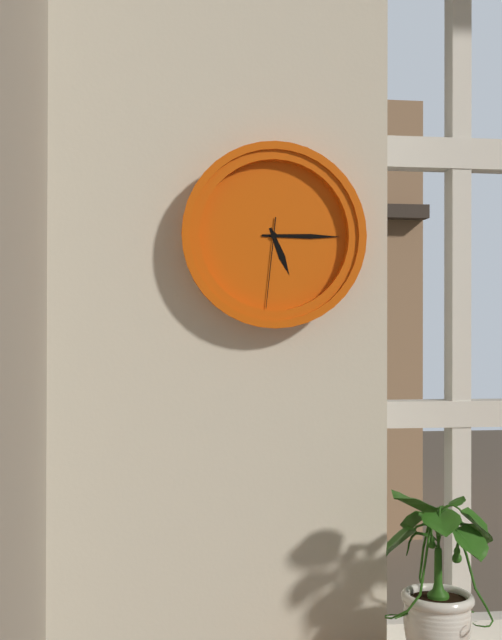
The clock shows {"hour": 5, "minute": 15, "second": 31}
